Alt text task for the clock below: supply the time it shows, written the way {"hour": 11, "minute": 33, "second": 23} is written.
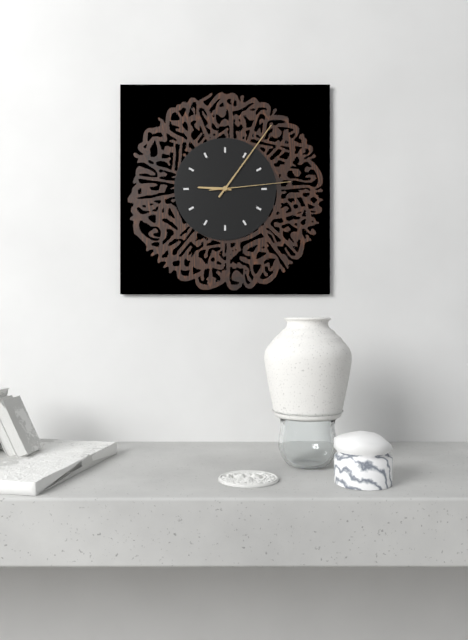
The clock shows {"hour": 9, "minute": 6, "second": 14}
